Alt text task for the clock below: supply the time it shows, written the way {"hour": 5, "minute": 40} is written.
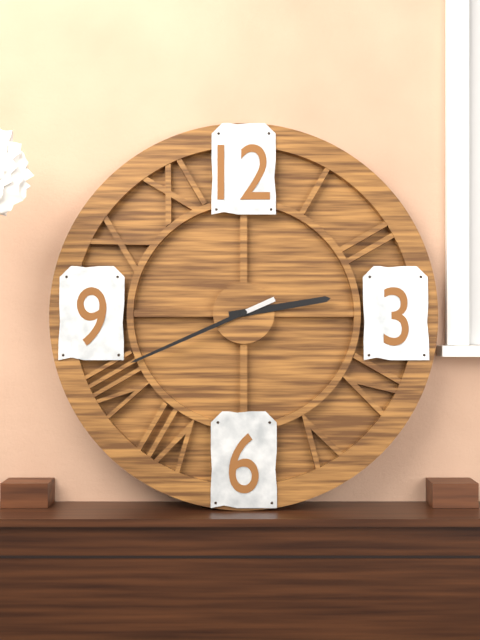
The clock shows {"hour": 2, "minute": 41}
